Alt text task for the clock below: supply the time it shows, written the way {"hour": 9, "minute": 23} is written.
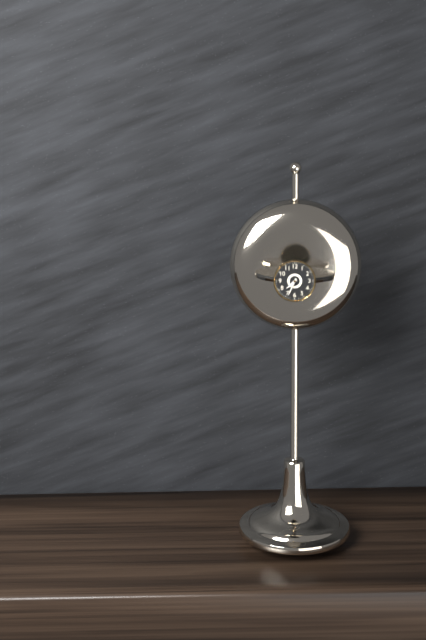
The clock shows {"hour": 7, "minute": 34}
